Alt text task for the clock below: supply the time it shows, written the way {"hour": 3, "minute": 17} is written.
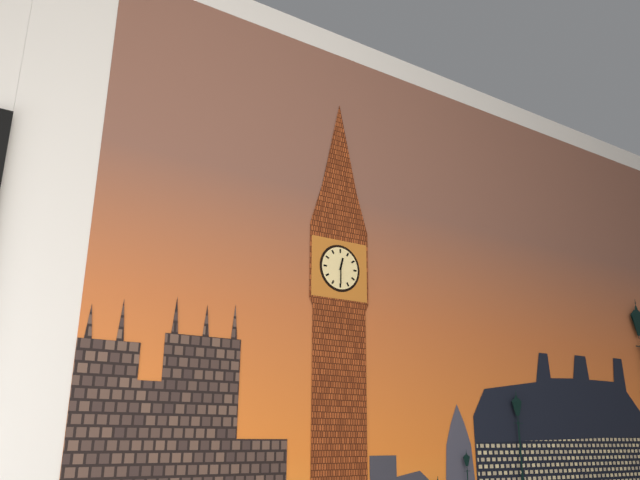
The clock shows {"hour": 12, "minute": 30}
